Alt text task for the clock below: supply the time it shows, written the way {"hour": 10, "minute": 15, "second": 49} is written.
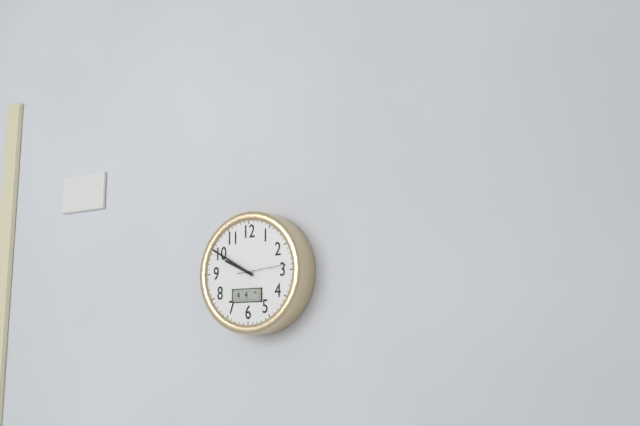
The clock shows {"hour": 9, "minute": 50, "second": 14}
